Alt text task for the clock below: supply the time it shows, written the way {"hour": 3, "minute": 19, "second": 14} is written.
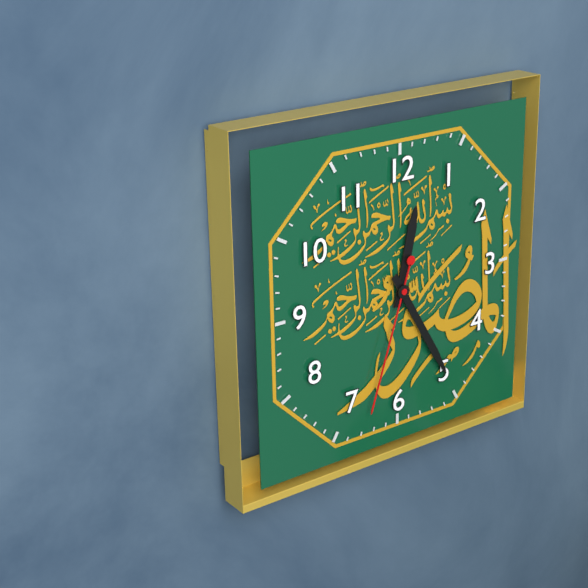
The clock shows {"hour": 12, "minute": 25, "second": 33}
